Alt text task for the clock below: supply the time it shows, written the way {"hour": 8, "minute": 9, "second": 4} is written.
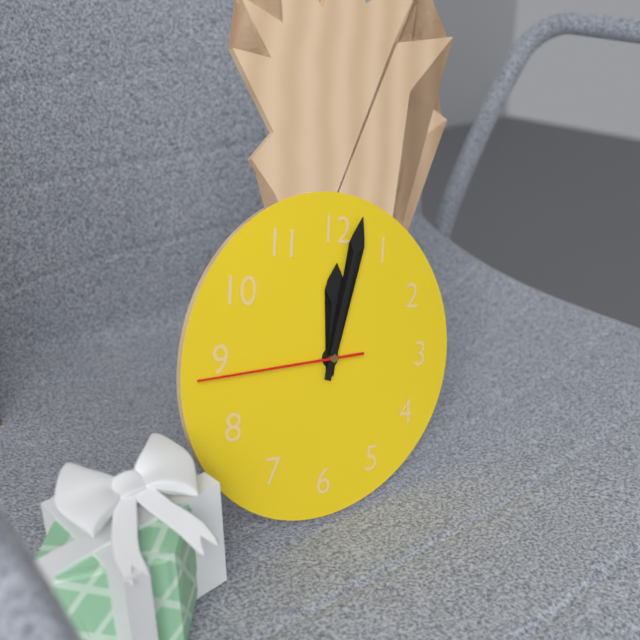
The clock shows {"hour": 12, "minute": 2, "second": 44}
